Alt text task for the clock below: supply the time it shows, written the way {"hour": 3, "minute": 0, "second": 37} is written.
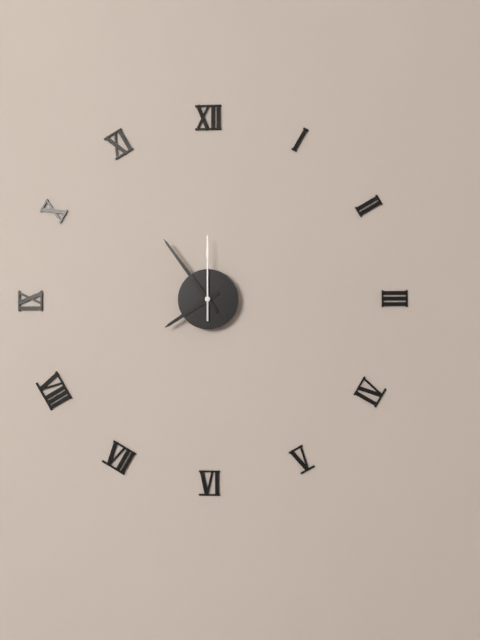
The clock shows {"hour": 7, "minute": 54, "second": 0}
